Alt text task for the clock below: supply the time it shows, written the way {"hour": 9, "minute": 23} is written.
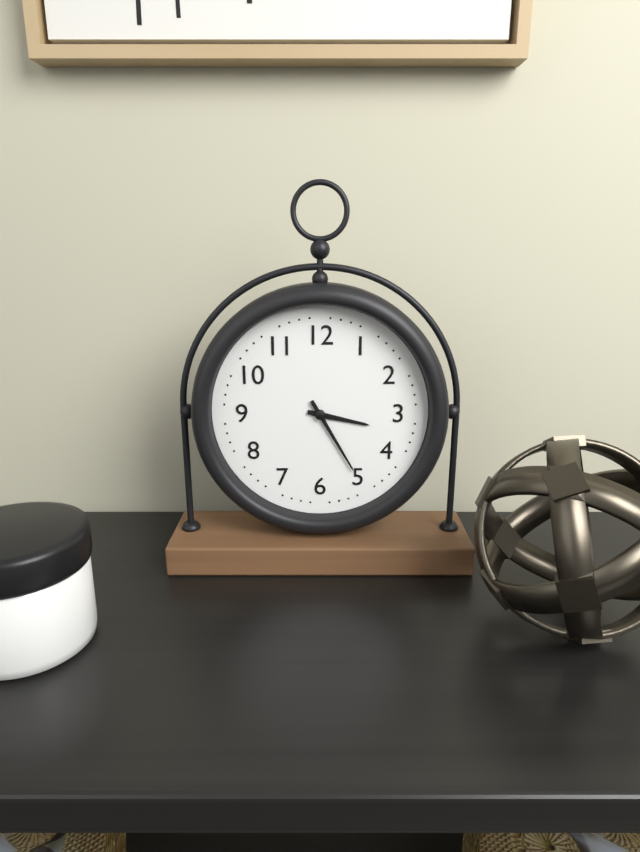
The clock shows {"hour": 3, "minute": 25}
